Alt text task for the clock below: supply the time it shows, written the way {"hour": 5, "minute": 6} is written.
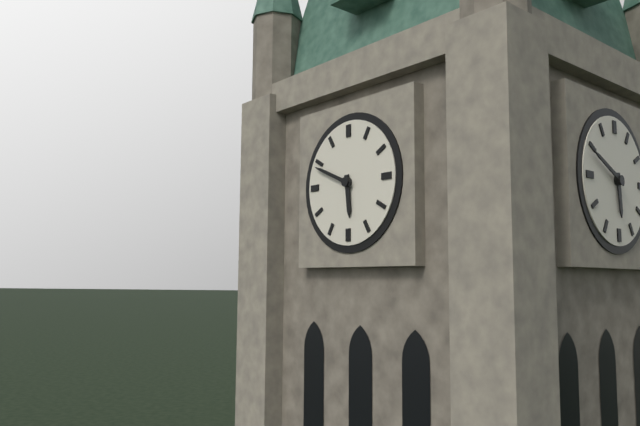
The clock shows {"hour": 5, "minute": 49}
